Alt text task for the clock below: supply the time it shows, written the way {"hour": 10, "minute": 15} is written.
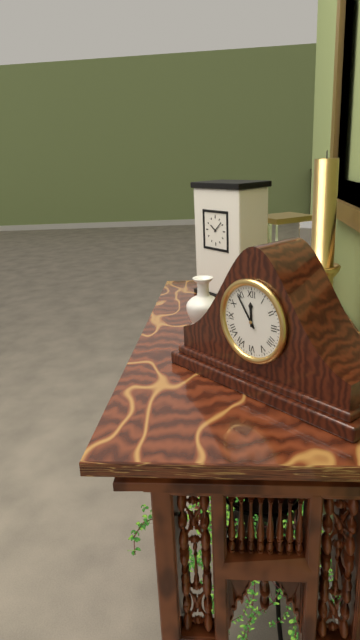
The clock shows {"hour": 11, "minute": 54}
